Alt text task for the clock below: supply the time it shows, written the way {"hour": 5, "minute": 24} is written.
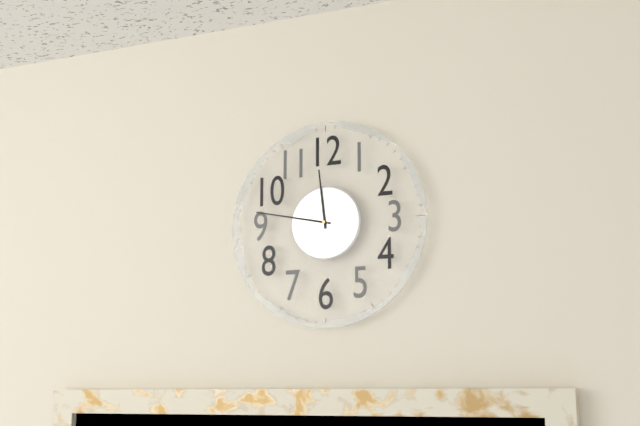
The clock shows {"hour": 11, "minute": 47}
